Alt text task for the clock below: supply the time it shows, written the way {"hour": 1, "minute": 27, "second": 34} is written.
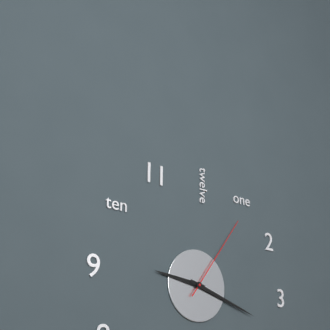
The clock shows {"hour": 9, "minute": 18, "second": 6}
